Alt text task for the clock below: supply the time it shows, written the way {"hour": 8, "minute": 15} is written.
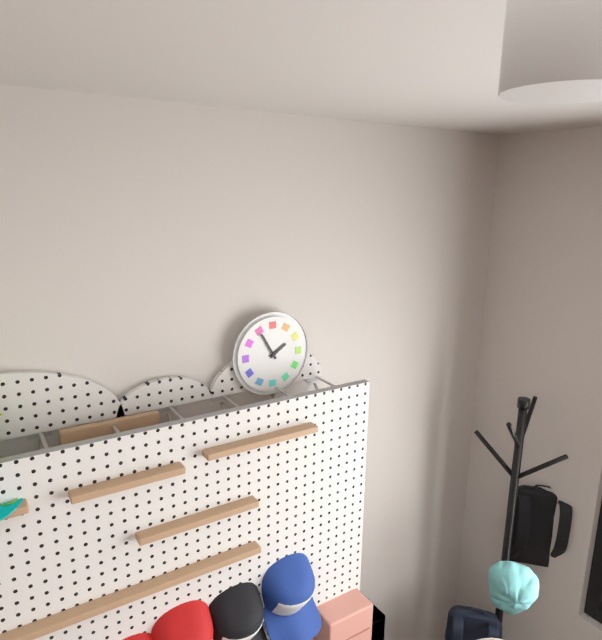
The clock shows {"hour": 1, "minute": 55}
